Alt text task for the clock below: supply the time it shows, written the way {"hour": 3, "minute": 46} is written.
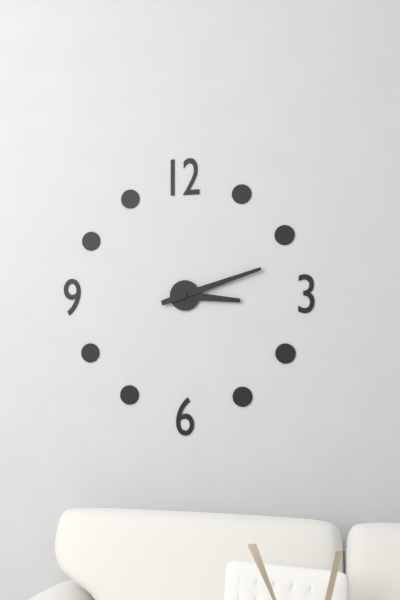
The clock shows {"hour": 3, "minute": 12}
